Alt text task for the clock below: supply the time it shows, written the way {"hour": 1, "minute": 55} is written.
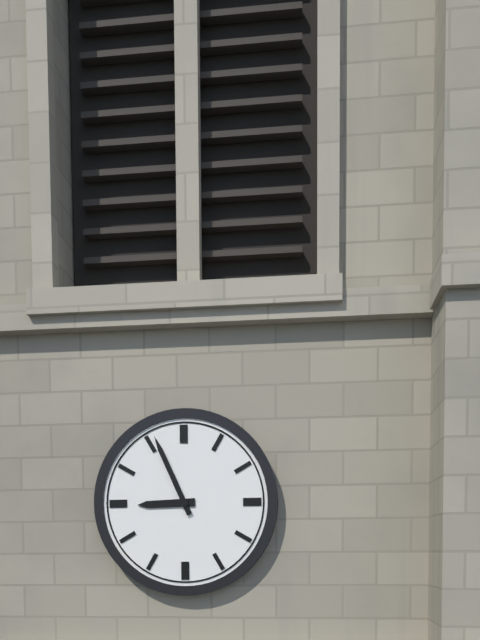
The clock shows {"hour": 8, "minute": 56}
